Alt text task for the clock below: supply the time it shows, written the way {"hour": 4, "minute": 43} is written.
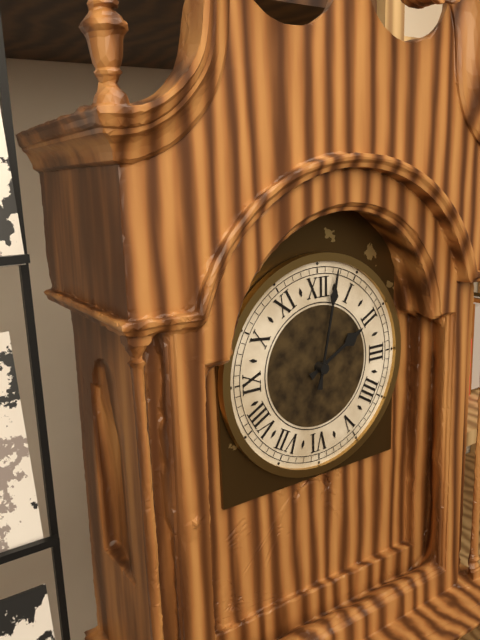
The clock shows {"hour": 2, "minute": 2}
